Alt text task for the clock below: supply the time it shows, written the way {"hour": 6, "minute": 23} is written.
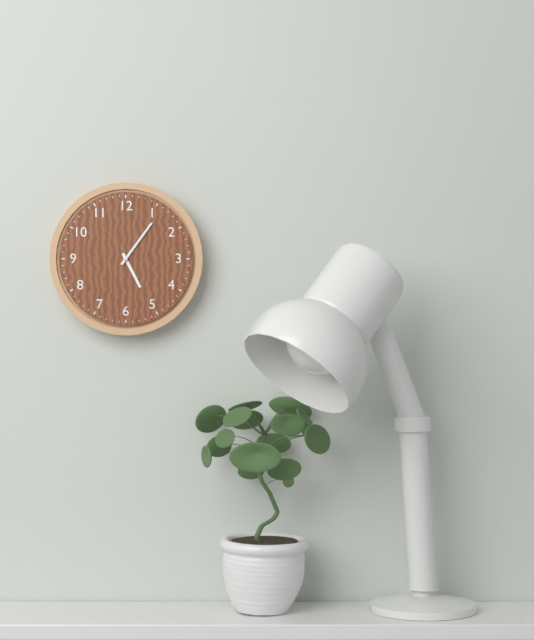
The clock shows {"hour": 5, "minute": 6}
